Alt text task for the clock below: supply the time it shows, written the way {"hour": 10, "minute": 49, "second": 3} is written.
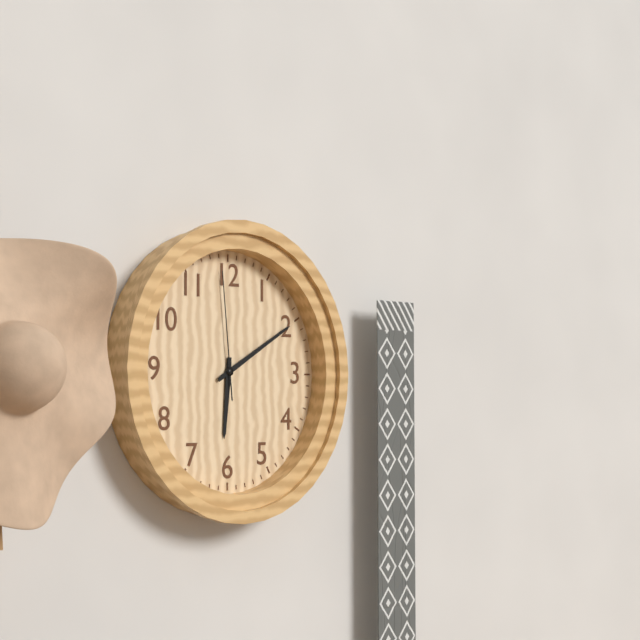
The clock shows {"hour": 6, "minute": 10, "second": 59}
